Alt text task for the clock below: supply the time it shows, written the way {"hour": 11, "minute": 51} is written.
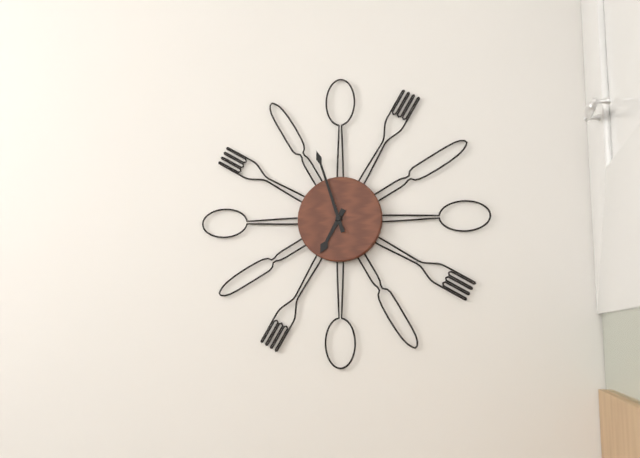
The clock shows {"hour": 6, "minute": 57}
